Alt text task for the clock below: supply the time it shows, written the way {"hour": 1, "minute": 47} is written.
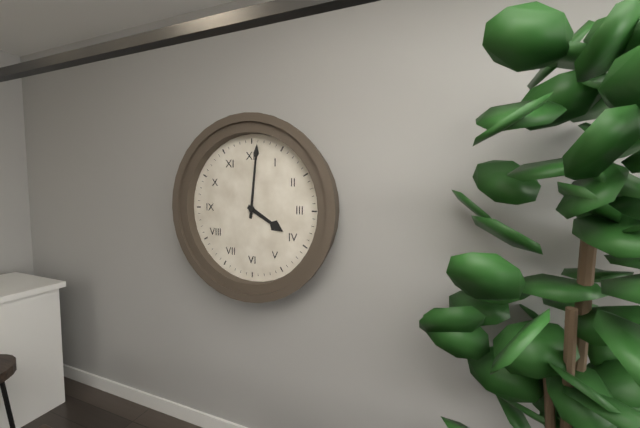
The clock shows {"hour": 4, "minute": 1}
